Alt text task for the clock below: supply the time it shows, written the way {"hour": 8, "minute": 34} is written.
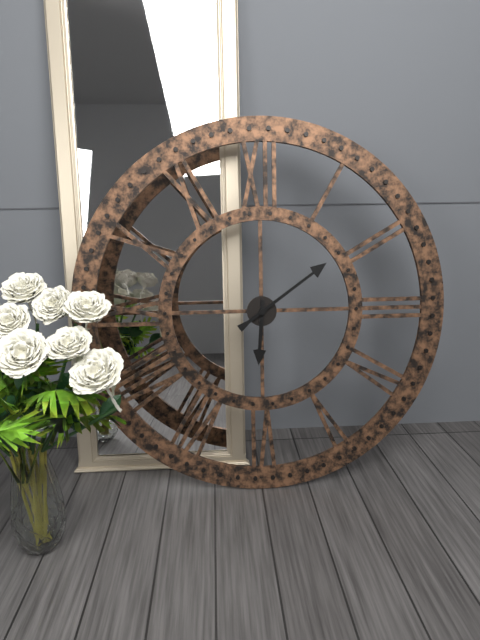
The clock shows {"hour": 6, "minute": 9}
